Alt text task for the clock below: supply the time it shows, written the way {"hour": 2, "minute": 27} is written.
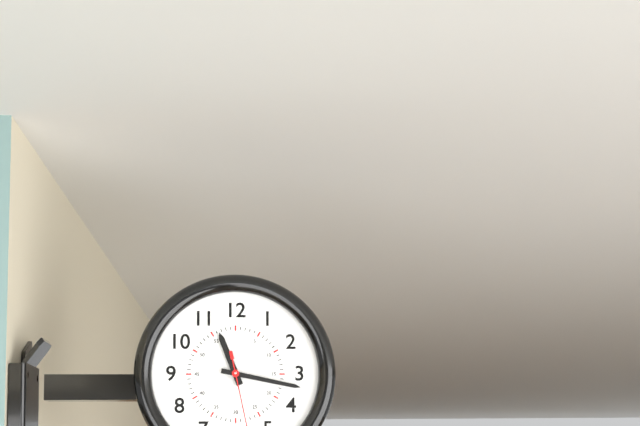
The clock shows {"hour": 11, "minute": 17}
